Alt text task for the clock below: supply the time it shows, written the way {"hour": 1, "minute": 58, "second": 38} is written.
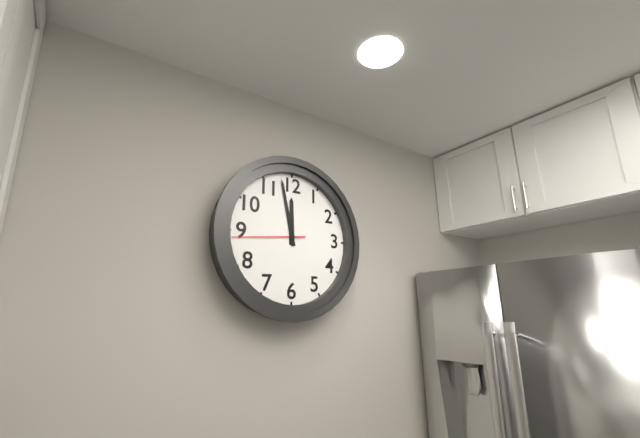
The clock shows {"hour": 11, "minute": 58, "second": 44}
